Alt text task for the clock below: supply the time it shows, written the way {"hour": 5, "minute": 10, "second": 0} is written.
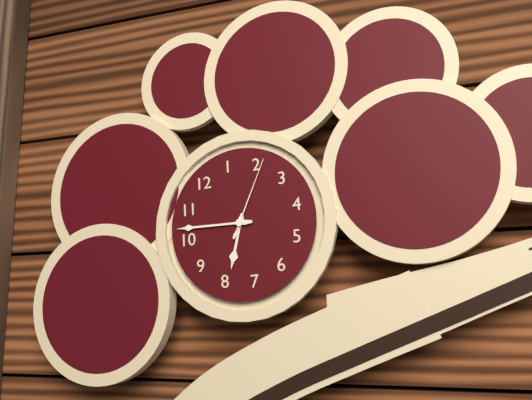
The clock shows {"hour": 7, "minute": 52, "second": 11}
